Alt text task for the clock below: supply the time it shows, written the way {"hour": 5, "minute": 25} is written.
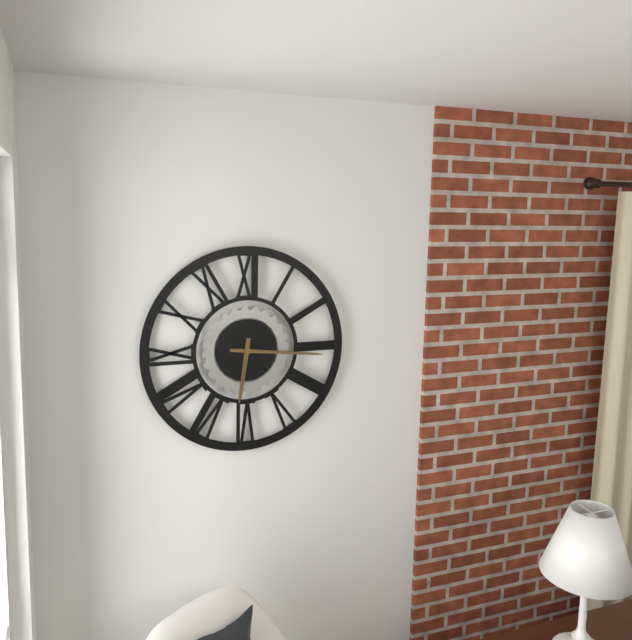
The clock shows {"hour": 6, "minute": 16}
